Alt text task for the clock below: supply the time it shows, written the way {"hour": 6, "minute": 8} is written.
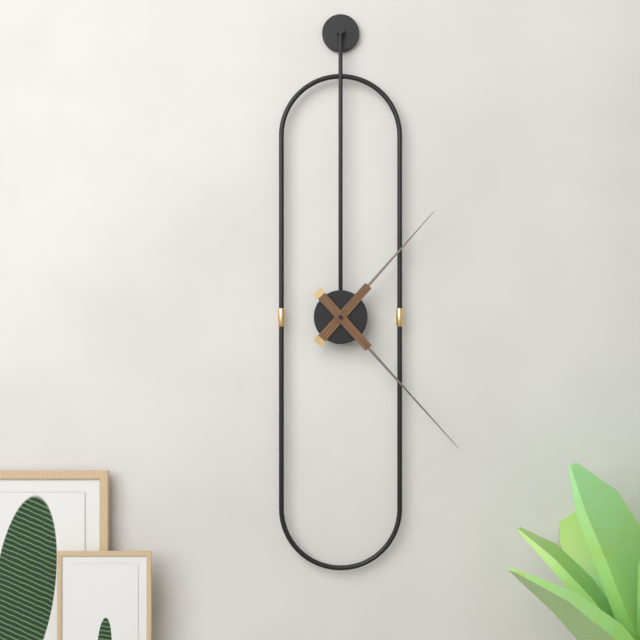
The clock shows {"hour": 1, "minute": 23}
